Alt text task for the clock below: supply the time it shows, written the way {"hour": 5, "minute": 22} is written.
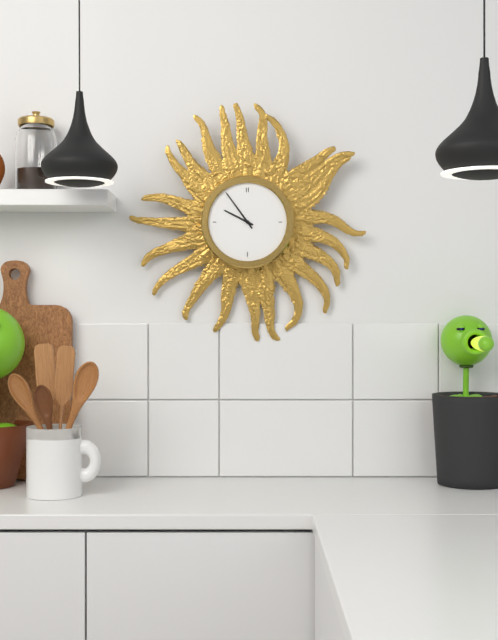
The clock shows {"hour": 9, "minute": 54}
